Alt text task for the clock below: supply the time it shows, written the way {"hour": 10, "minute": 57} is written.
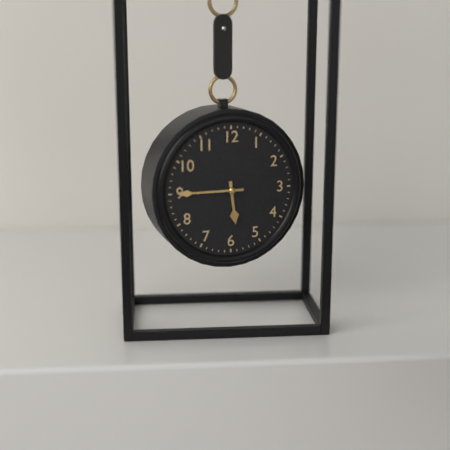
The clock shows {"hour": 5, "minute": 45}
